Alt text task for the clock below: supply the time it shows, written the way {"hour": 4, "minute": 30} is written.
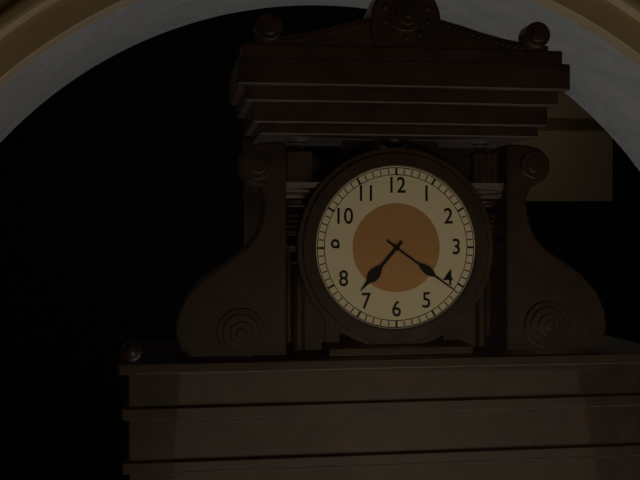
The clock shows {"hour": 7, "minute": 21}
